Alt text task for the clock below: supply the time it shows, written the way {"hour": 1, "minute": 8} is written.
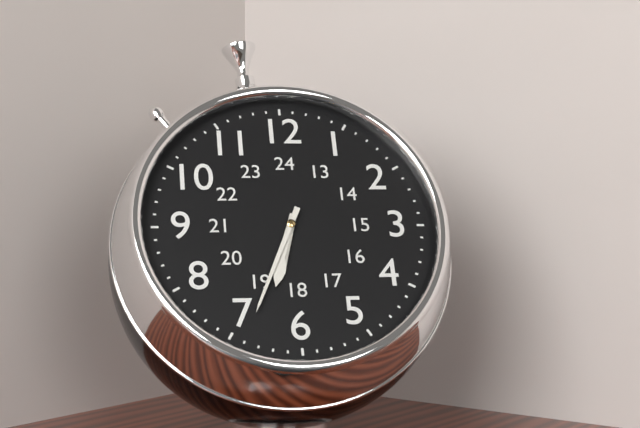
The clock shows {"hour": 6, "minute": 34}
